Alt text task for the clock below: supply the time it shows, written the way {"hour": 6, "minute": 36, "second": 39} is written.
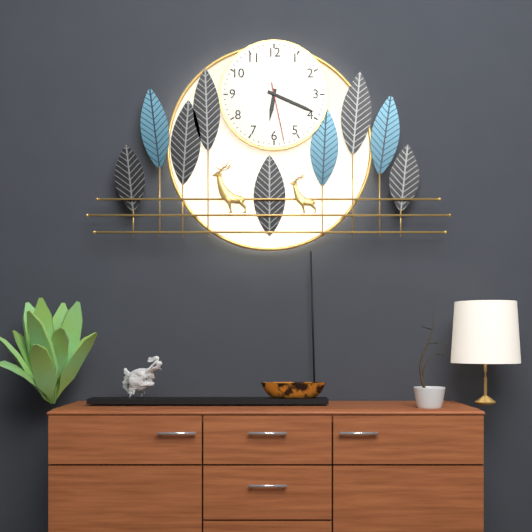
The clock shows {"hour": 6, "minute": 19, "second": 28}
